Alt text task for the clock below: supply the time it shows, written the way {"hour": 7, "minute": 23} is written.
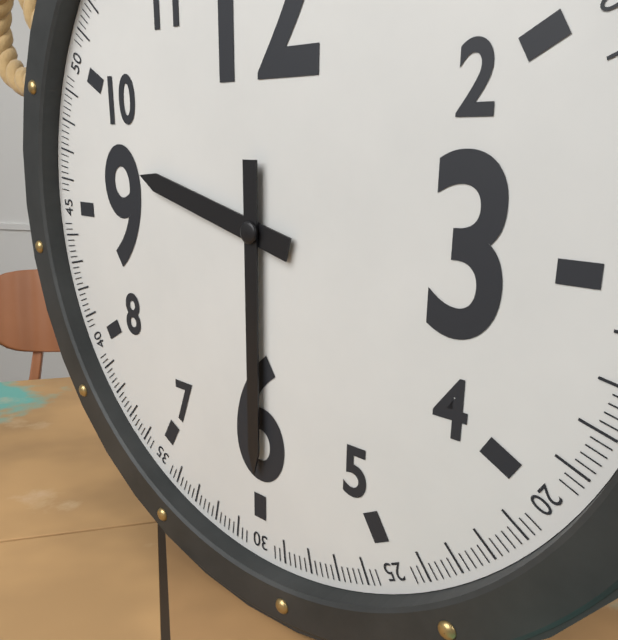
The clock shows {"hour": 9, "minute": 30}
